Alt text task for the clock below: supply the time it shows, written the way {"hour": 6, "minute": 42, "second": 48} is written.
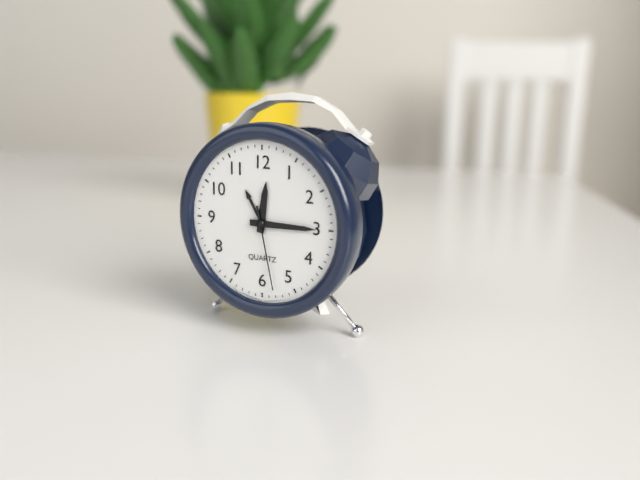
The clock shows {"hour": 12, "minute": 15, "second": 28}
